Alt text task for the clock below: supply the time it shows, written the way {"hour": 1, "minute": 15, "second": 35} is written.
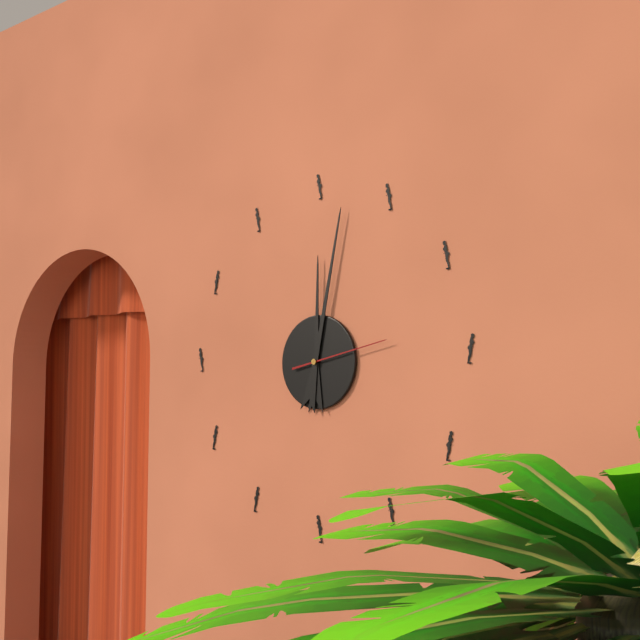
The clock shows {"hour": 12, "minute": 2, "second": 13}
